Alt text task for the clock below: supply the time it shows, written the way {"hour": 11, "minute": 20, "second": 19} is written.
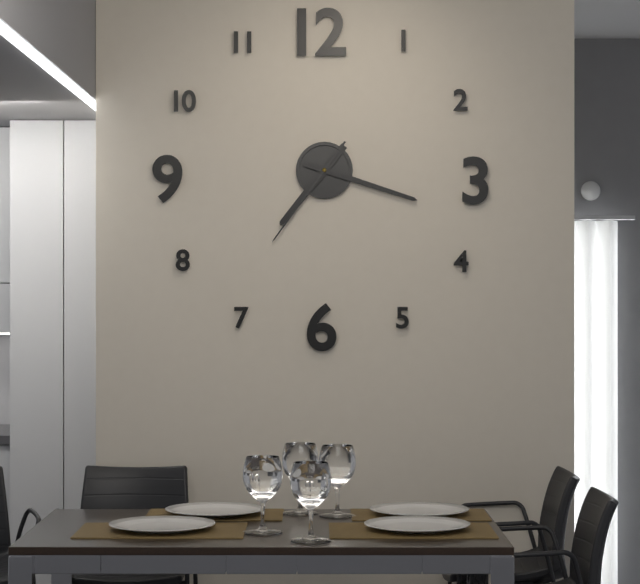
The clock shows {"hour": 7, "minute": 18, "second": 36}
